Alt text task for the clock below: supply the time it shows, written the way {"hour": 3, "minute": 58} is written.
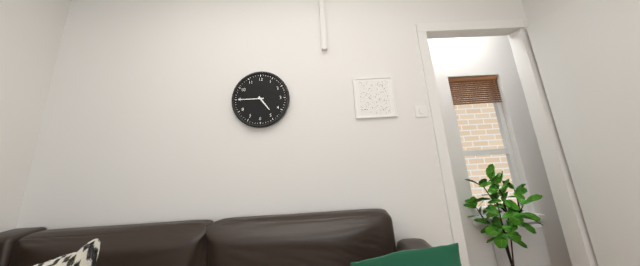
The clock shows {"hour": 4, "minute": 45}
